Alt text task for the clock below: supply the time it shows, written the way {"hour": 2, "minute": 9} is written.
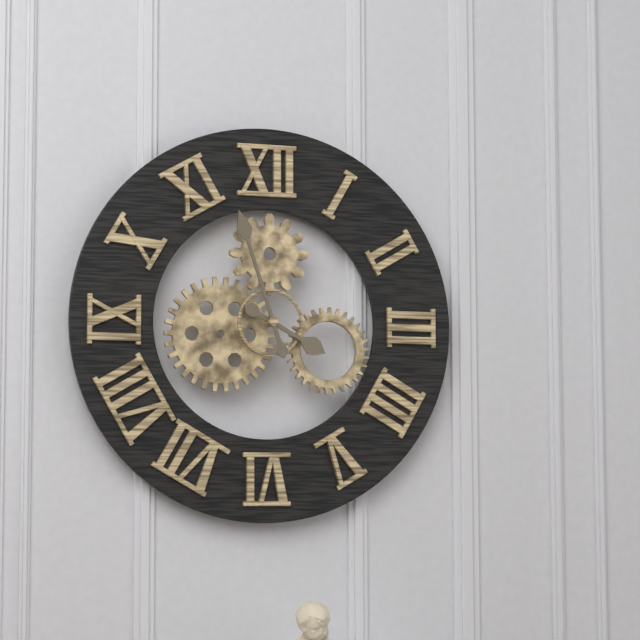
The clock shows {"hour": 3, "minute": 57}
